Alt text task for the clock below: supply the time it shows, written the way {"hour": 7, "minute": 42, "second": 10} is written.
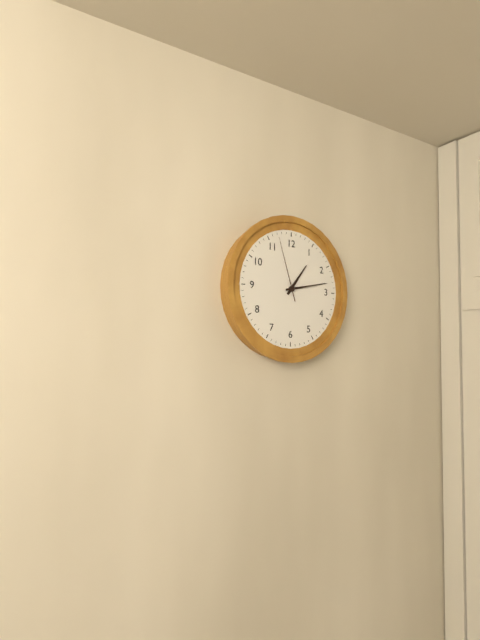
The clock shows {"hour": 1, "minute": 13, "second": 57}
